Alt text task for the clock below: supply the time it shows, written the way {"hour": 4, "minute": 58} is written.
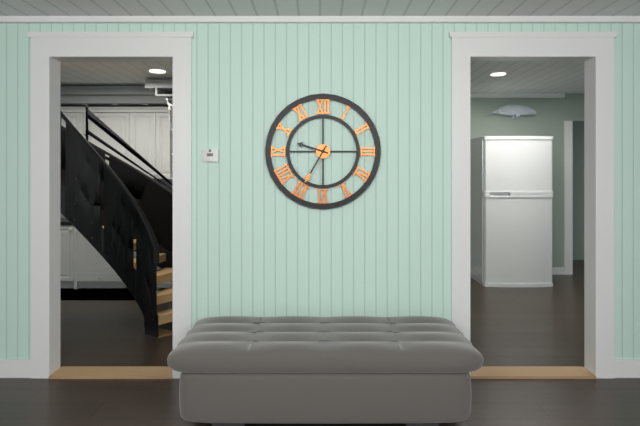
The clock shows {"hour": 9, "minute": 35}
